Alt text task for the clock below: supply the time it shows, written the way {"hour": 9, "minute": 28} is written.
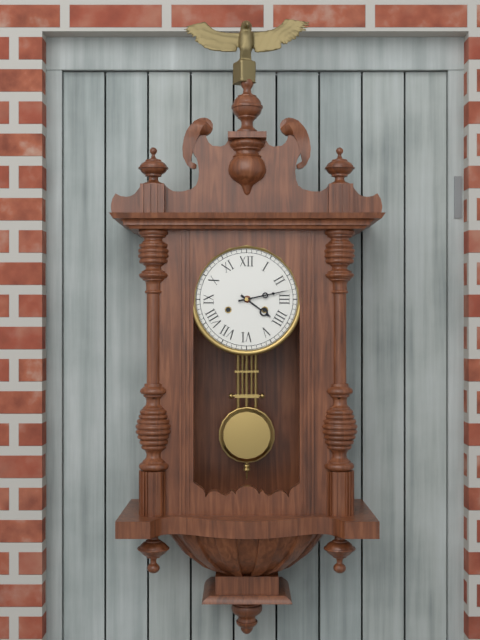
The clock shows {"hour": 4, "minute": 13}
